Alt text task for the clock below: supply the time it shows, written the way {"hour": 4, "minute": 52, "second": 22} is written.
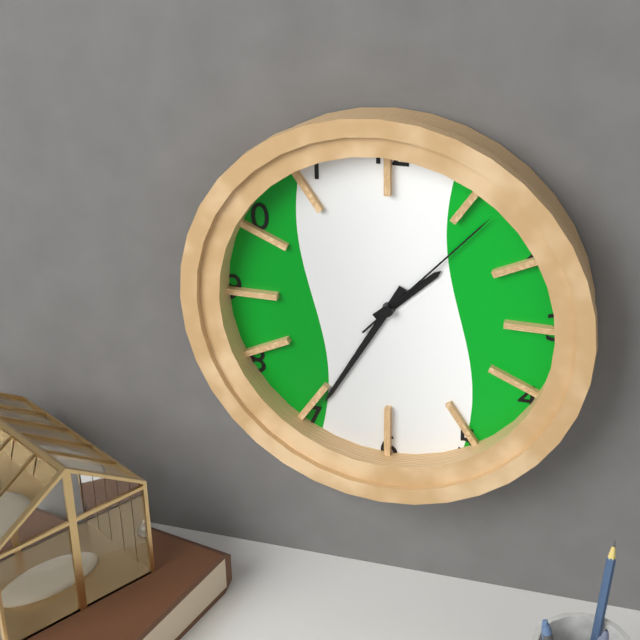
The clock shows {"hour": 1, "minute": 35, "second": 7}
